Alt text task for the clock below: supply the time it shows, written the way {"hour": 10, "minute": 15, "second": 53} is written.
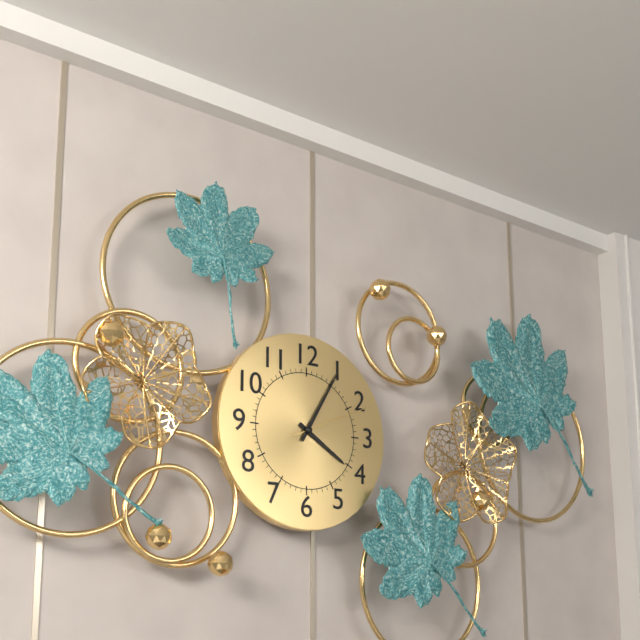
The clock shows {"hour": 4, "minute": 5, "second": 11}
